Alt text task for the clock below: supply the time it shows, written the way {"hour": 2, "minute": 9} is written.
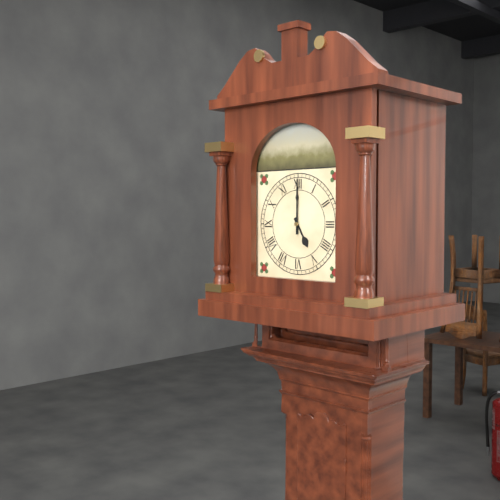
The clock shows {"hour": 5, "minute": 0}
